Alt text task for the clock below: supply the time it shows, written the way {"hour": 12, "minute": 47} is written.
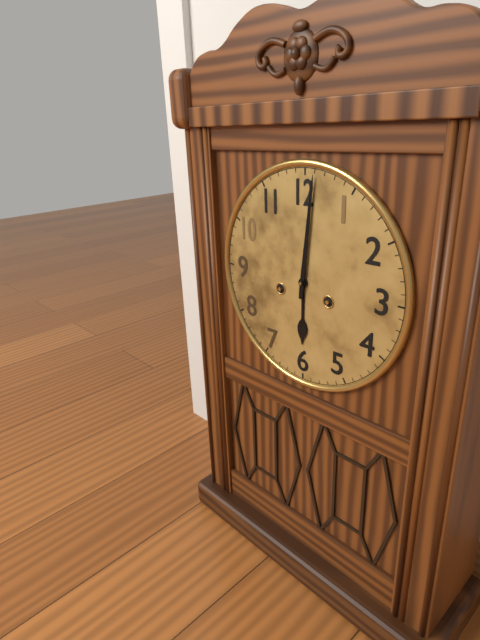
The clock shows {"hour": 6, "minute": 1}
